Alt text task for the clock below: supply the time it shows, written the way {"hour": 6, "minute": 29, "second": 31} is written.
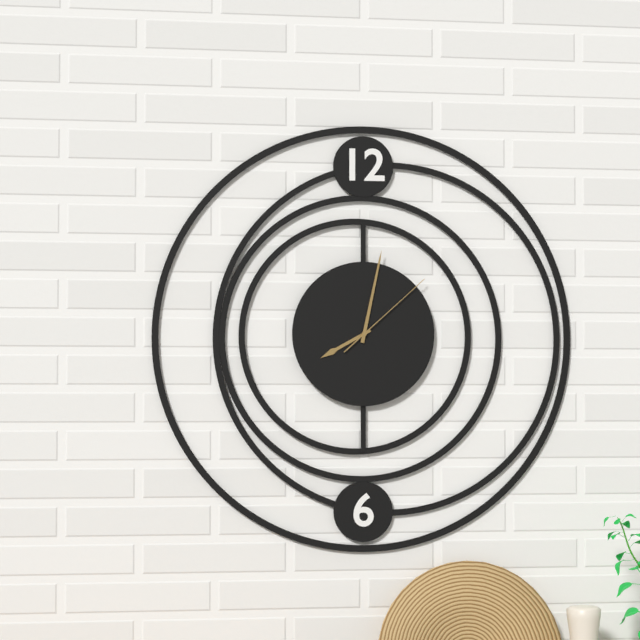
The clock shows {"hour": 8, "minute": 2, "second": 8}
